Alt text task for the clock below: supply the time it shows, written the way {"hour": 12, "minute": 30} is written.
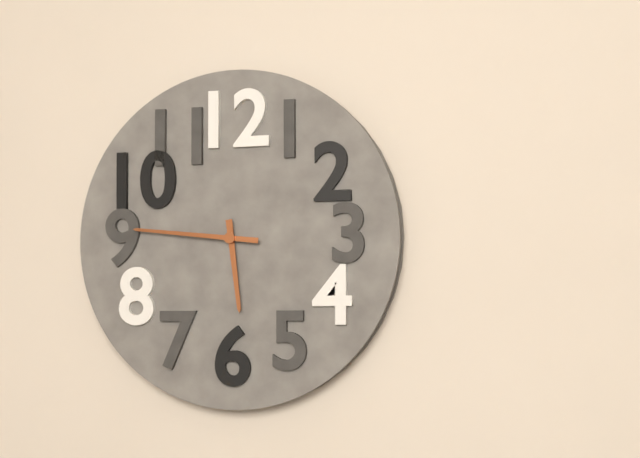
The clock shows {"hour": 5, "minute": 46}
